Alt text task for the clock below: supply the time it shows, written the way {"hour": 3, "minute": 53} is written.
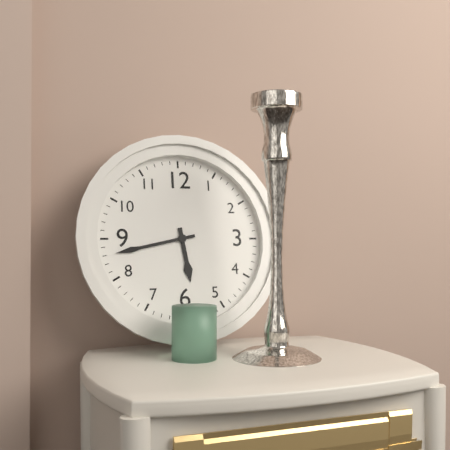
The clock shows {"hour": 5, "minute": 43}
